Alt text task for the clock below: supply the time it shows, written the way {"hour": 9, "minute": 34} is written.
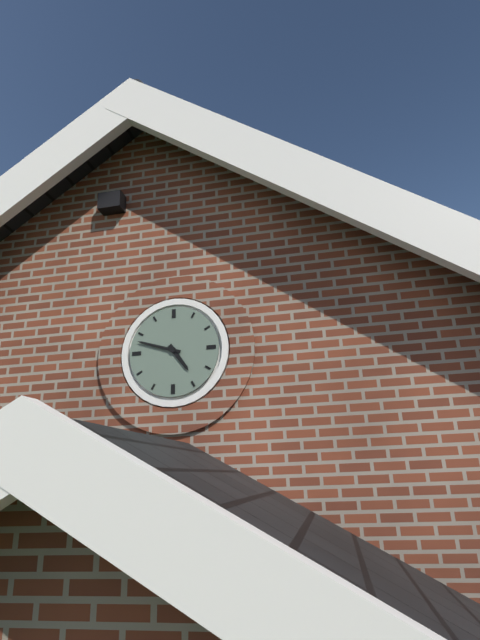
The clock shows {"hour": 4, "minute": 48}
